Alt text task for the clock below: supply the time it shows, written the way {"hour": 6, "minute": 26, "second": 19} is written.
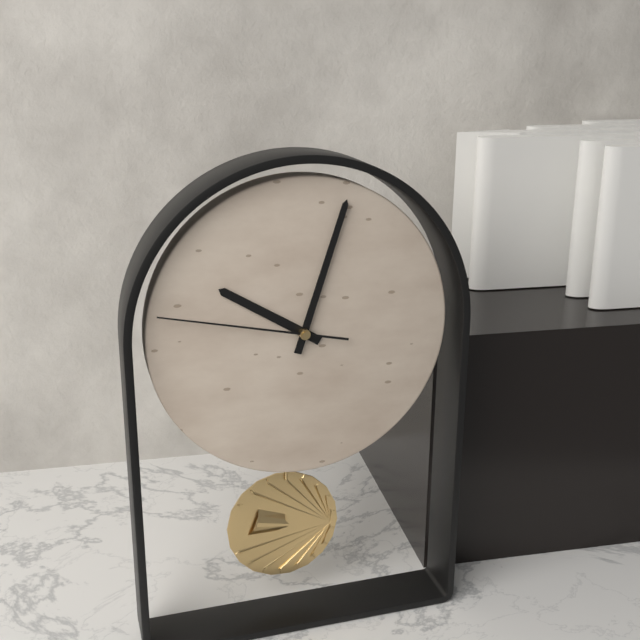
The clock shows {"hour": 10, "minute": 3, "second": 47}
